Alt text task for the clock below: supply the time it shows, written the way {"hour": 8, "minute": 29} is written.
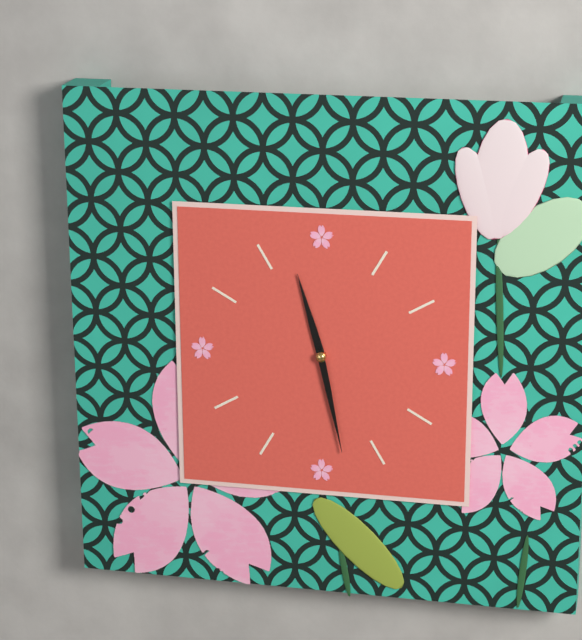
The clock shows {"hour": 11, "minute": 28}
